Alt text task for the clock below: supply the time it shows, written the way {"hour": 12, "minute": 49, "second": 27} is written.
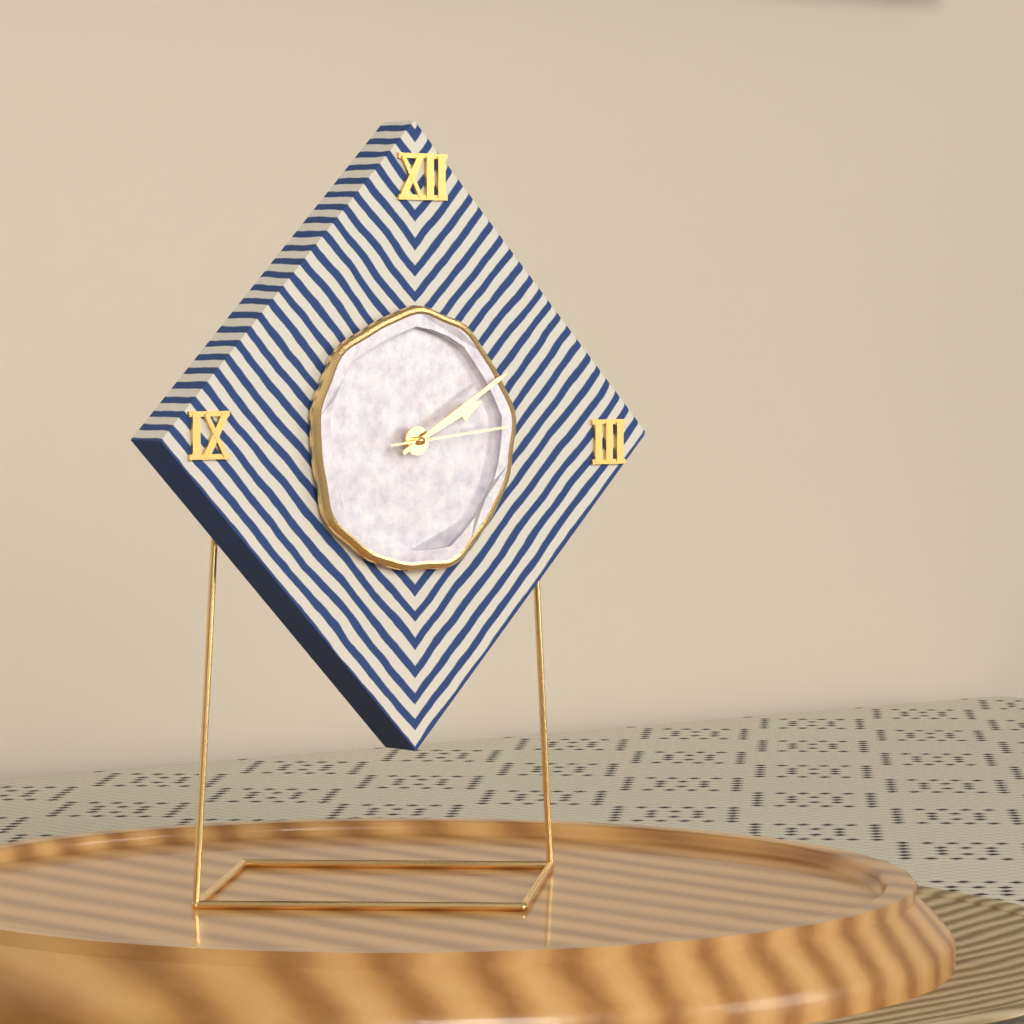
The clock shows {"hour": 2, "minute": 10, "second": 14}
